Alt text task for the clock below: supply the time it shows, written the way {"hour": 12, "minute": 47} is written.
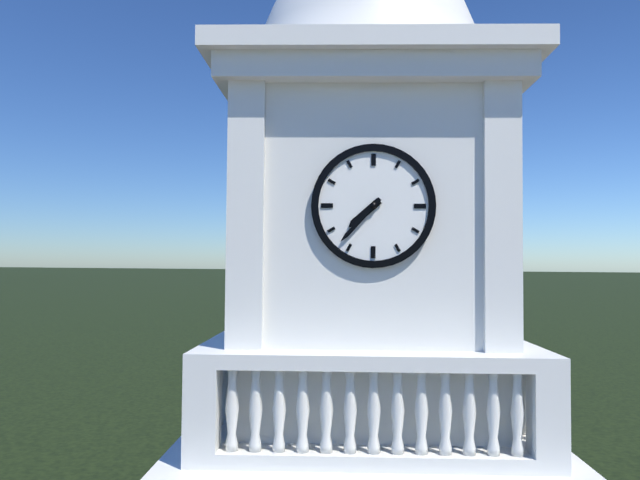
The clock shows {"hour": 7, "minute": 37}
